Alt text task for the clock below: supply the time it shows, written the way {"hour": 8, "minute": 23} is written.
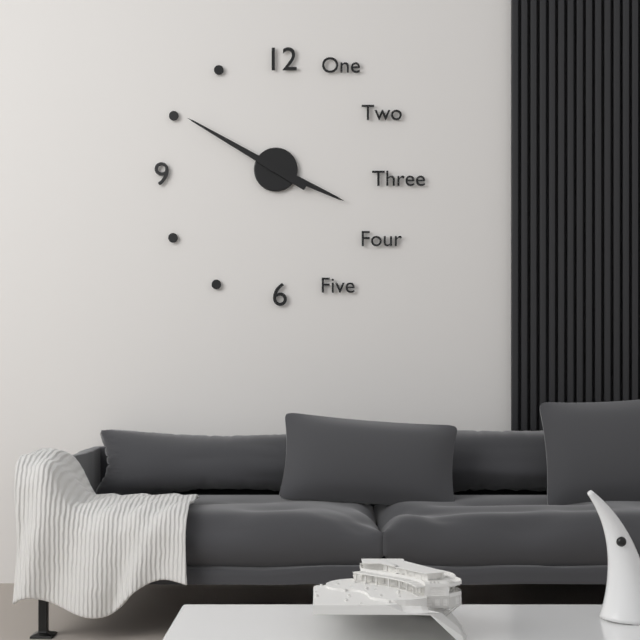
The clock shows {"hour": 3, "minute": 50}
